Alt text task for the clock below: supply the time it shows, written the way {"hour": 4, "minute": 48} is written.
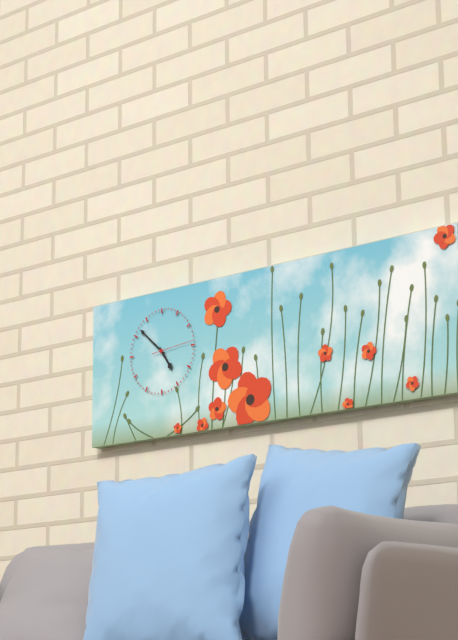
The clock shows {"hour": 4, "minute": 52}
